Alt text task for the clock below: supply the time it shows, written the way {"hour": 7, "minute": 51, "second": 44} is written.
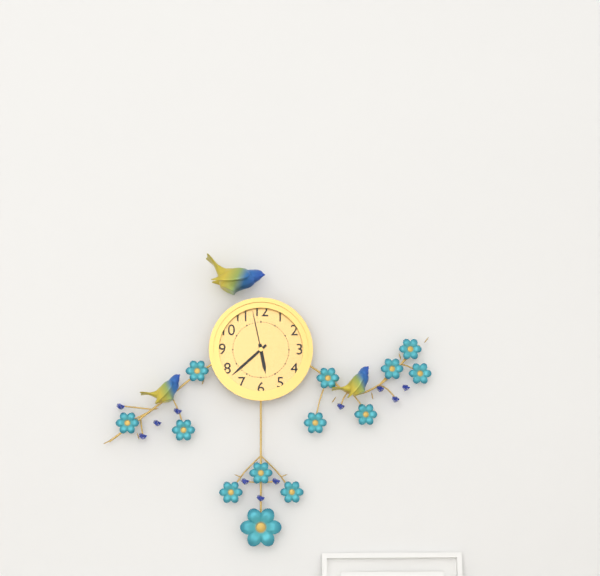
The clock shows {"hour": 5, "minute": 38, "second": 58}
